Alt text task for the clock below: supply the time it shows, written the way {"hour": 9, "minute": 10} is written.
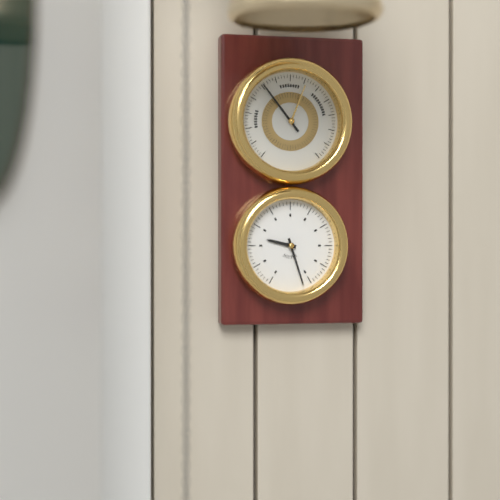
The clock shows {"hour": 9, "minute": 27}
